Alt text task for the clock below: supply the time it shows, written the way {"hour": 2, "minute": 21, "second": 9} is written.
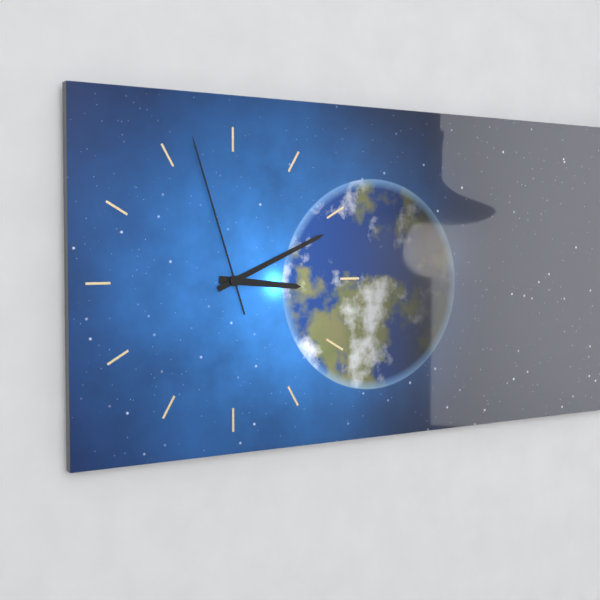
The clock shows {"hour": 3, "minute": 11, "second": 57}
